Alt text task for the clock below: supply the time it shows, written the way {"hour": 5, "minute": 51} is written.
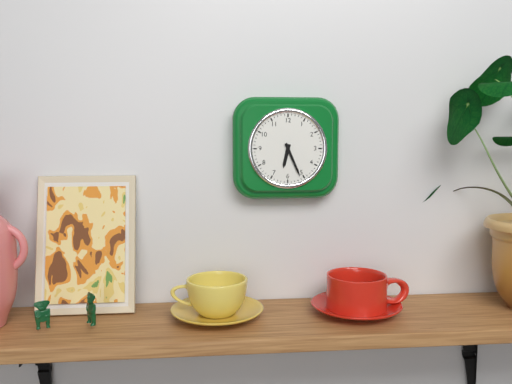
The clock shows {"hour": 6, "minute": 26}
